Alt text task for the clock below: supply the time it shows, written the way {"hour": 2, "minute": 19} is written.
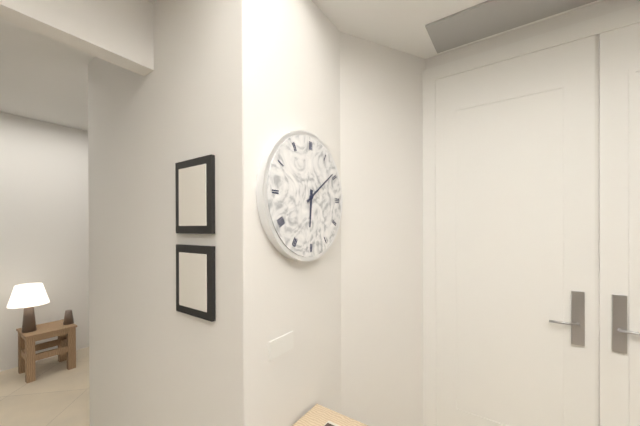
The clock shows {"hour": 6, "minute": 9}
